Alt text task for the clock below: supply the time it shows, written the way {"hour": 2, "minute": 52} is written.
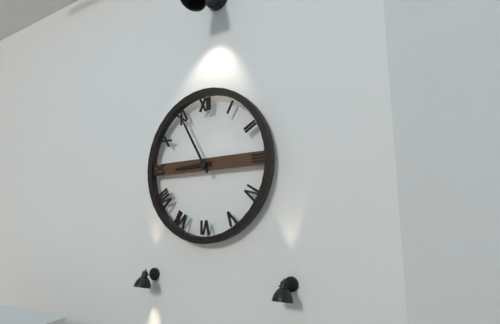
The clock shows {"hour": 8, "minute": 55}
